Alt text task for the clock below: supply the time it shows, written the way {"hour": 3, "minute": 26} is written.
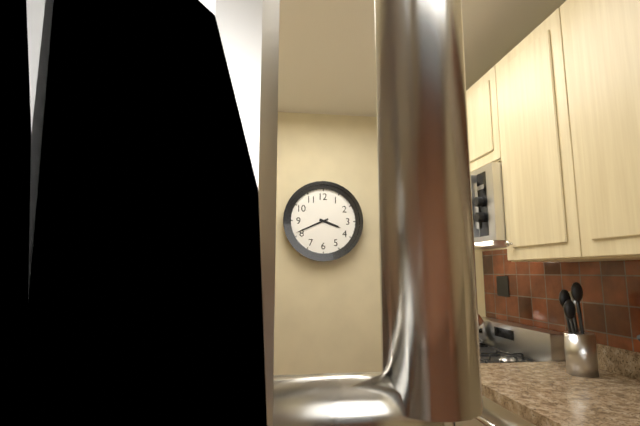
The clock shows {"hour": 3, "minute": 41}
